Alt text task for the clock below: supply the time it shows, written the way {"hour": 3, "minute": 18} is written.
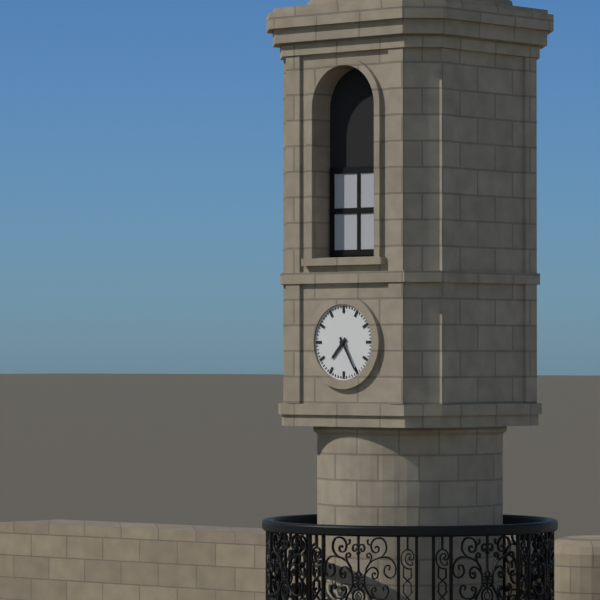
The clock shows {"hour": 7, "minute": 25}
